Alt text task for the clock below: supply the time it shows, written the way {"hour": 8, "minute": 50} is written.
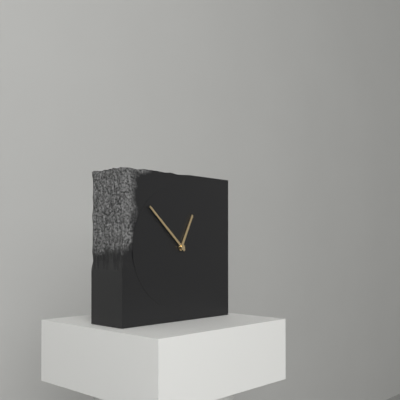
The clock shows {"hour": 12, "minute": 52}
